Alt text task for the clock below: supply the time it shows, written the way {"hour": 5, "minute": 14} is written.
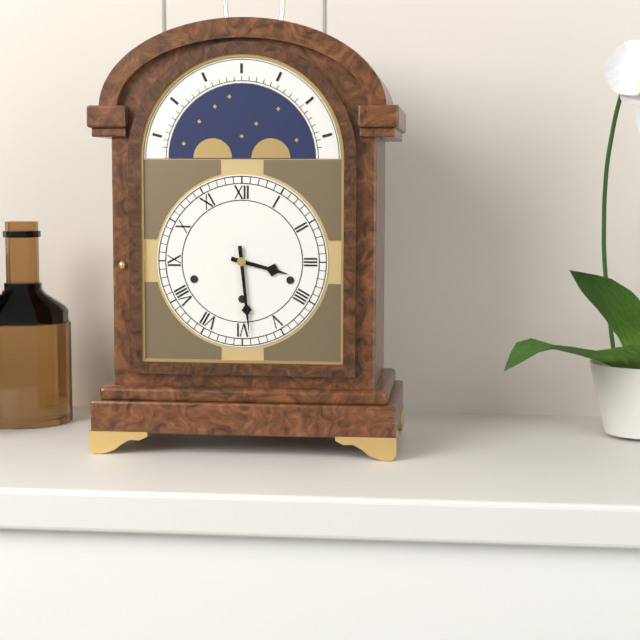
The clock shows {"hour": 3, "minute": 29}
